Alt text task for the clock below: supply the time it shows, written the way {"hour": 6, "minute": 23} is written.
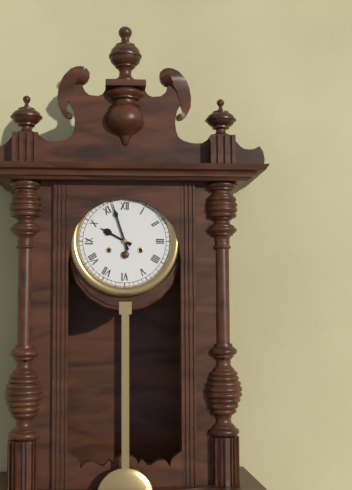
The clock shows {"hour": 9, "minute": 57}
